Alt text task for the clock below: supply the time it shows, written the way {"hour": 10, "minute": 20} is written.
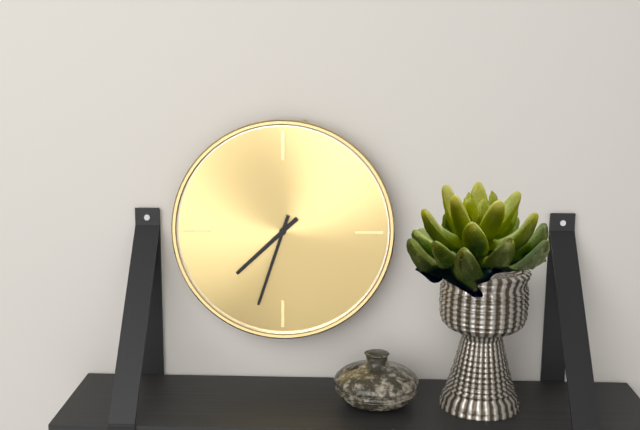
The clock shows {"hour": 7, "minute": 33}
